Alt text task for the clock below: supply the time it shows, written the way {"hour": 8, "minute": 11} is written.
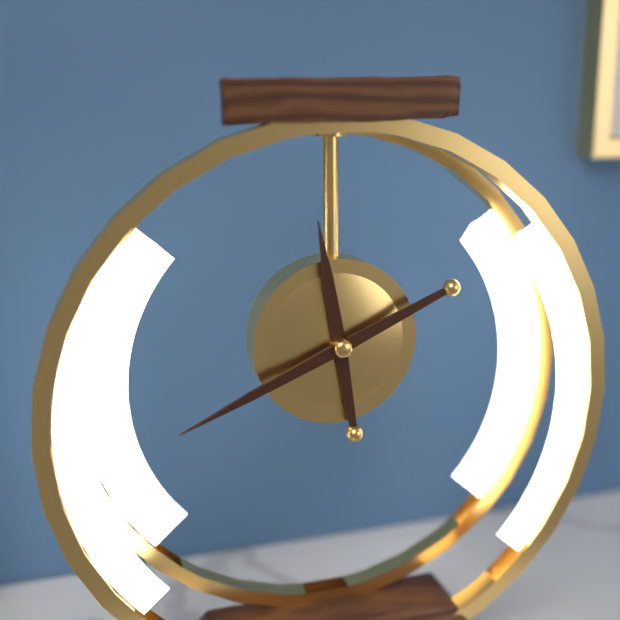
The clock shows {"hour": 11, "minute": 41}
